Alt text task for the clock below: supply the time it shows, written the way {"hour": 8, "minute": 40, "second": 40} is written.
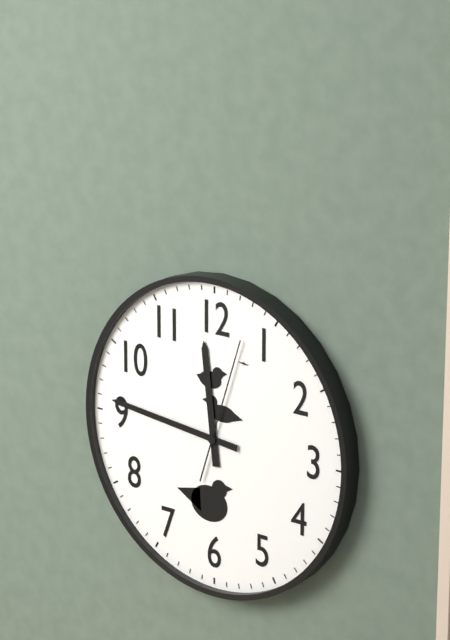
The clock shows {"hour": 11, "minute": 46, "second": 3}
